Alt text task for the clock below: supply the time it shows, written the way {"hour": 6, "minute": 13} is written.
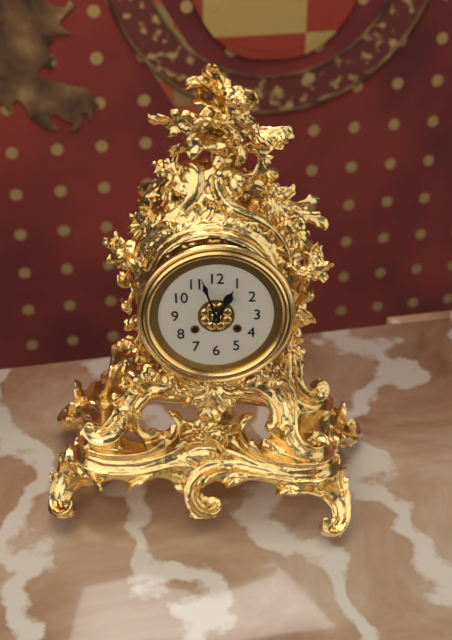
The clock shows {"hour": 12, "minute": 57}
